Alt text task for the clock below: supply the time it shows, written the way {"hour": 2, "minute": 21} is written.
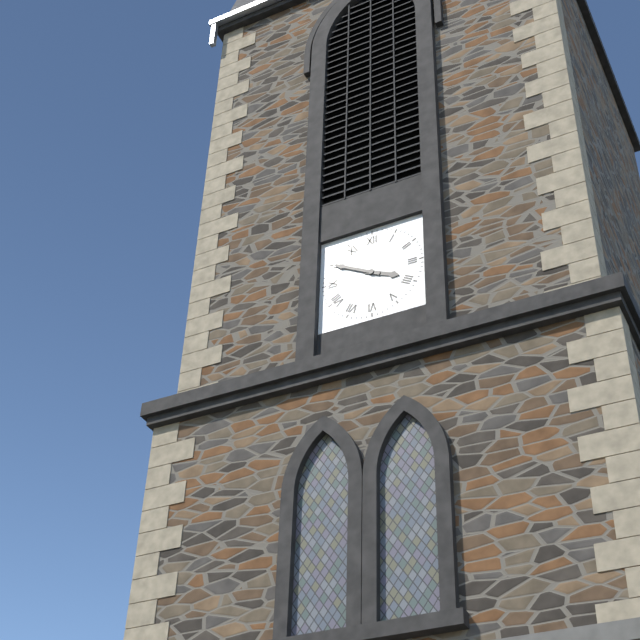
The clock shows {"hour": 3, "minute": 50}
